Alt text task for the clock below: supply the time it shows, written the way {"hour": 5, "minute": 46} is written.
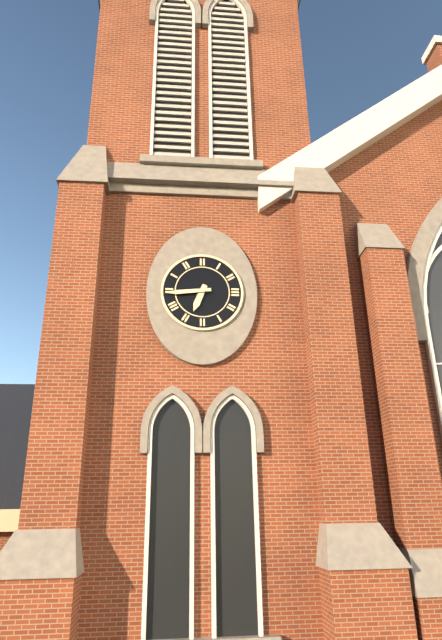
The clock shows {"hour": 6, "minute": 44}
